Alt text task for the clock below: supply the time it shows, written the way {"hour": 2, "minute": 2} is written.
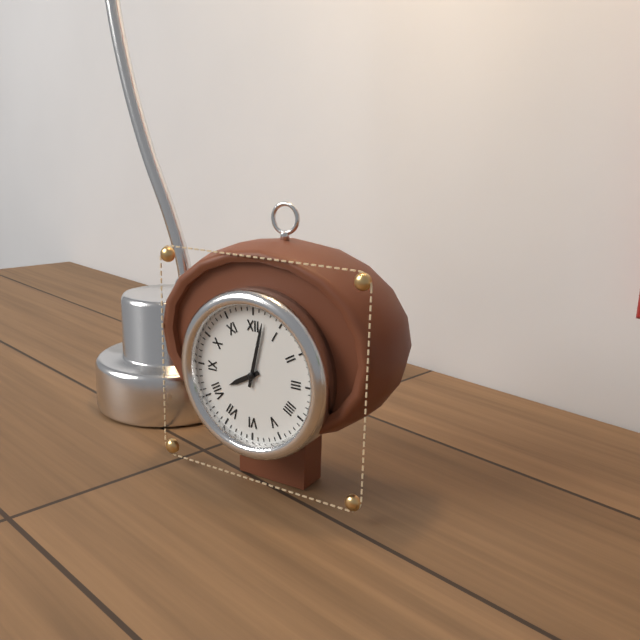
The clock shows {"hour": 8, "minute": 2}
